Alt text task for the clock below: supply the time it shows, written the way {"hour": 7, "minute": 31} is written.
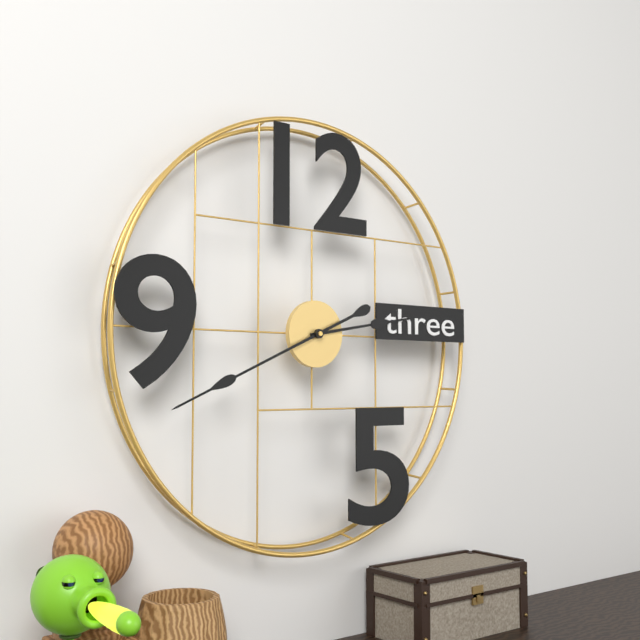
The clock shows {"hour": 2, "minute": 41}
